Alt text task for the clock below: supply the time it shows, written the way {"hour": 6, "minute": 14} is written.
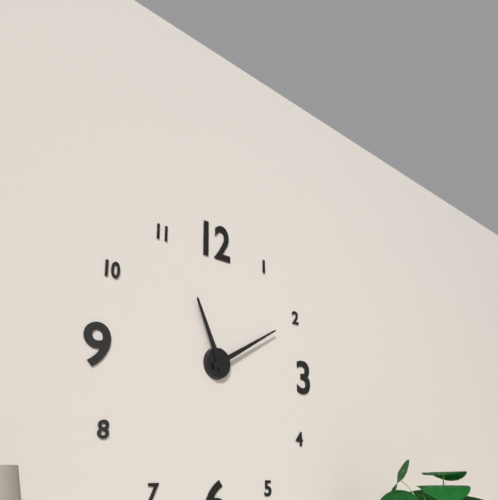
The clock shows {"hour": 11, "minute": 10}
